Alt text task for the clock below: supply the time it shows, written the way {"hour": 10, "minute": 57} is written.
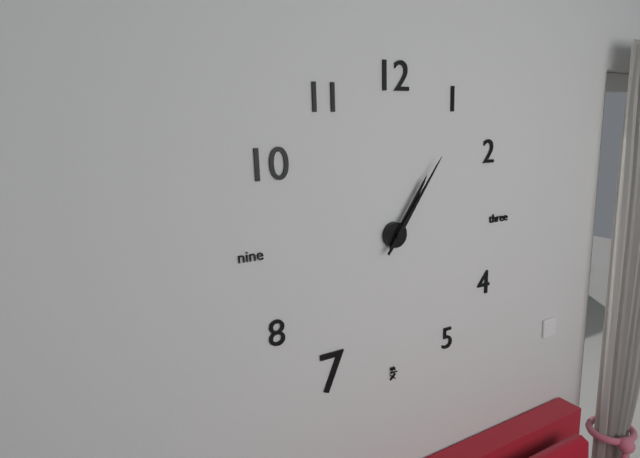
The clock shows {"hour": 1, "minute": 6}
